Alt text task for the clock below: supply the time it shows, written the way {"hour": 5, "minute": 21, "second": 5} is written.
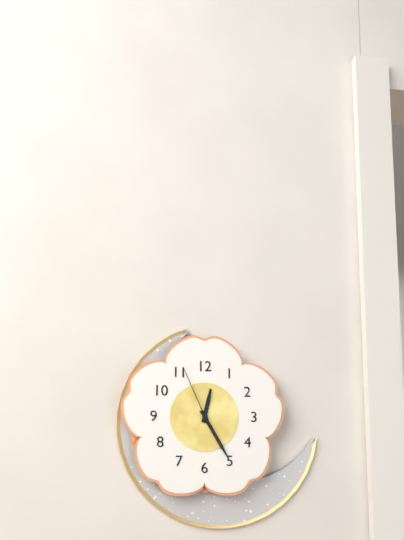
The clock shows {"hour": 12, "minute": 25, "second": 56}
